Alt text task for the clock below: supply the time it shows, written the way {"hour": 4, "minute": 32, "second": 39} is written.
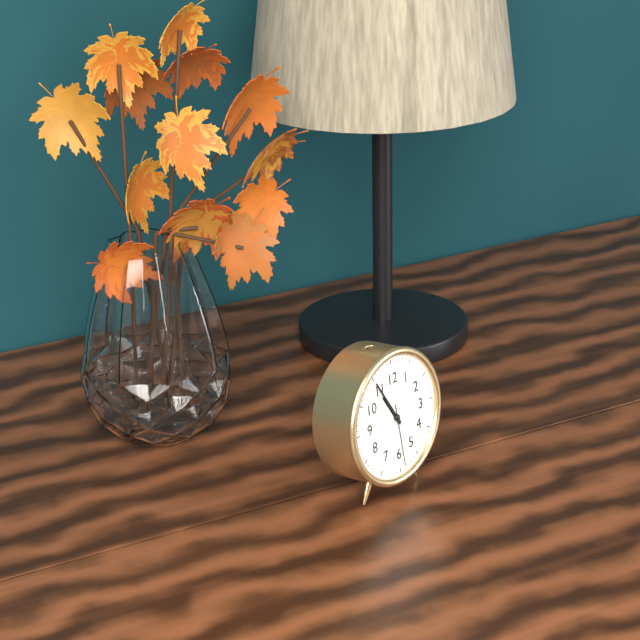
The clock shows {"hour": 10, "minute": 55, "second": 29}
